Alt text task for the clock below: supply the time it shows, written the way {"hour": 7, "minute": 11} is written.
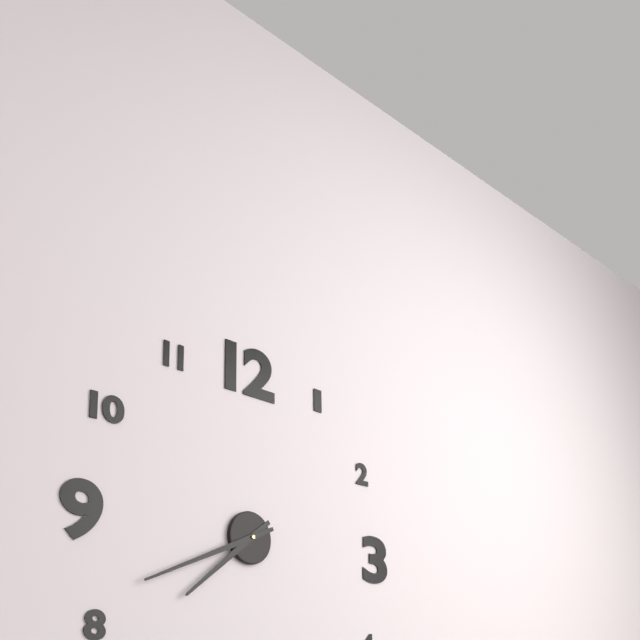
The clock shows {"hour": 7, "minute": 41}
